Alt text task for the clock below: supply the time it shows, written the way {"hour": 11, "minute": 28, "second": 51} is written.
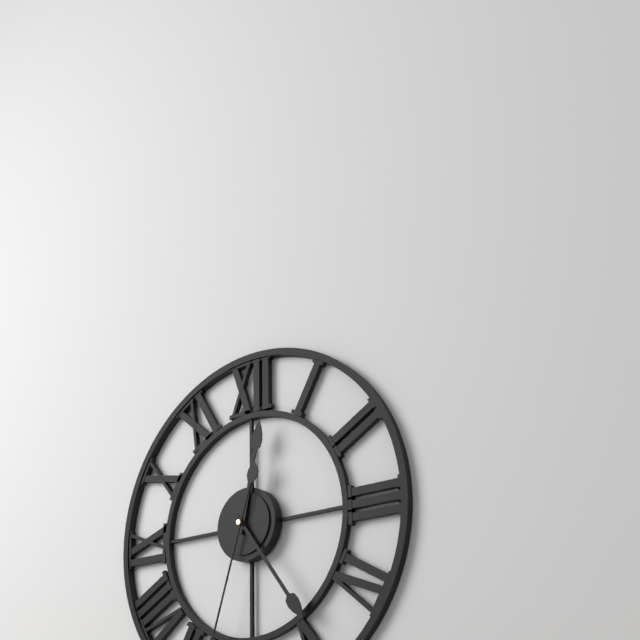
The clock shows {"hour": 12, "minute": 24, "second": 33}
